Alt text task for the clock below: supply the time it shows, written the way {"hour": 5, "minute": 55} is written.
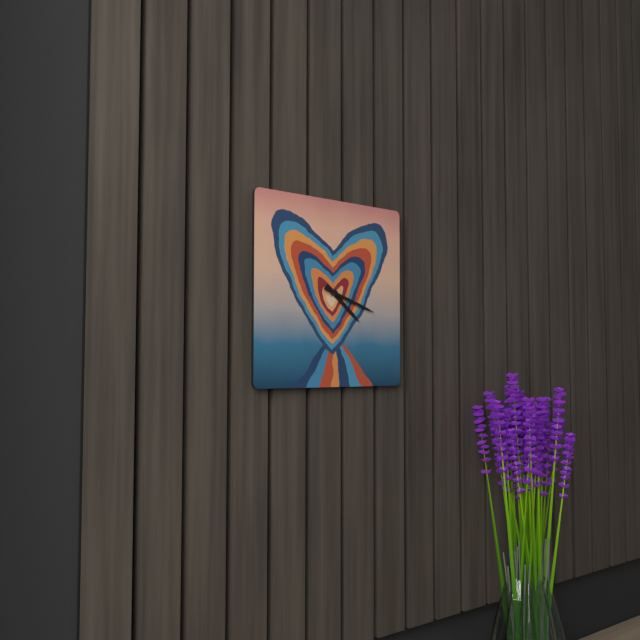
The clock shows {"hour": 4, "minute": 18}
